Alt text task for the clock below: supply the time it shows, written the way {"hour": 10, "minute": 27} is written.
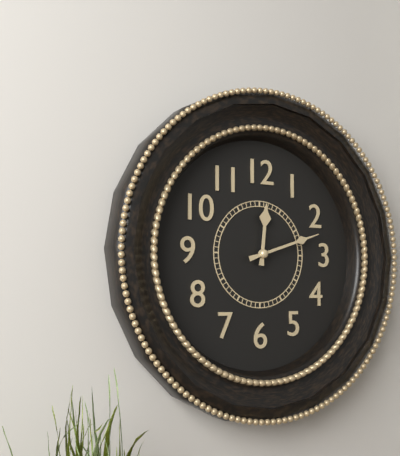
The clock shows {"hour": 12, "minute": 12}
